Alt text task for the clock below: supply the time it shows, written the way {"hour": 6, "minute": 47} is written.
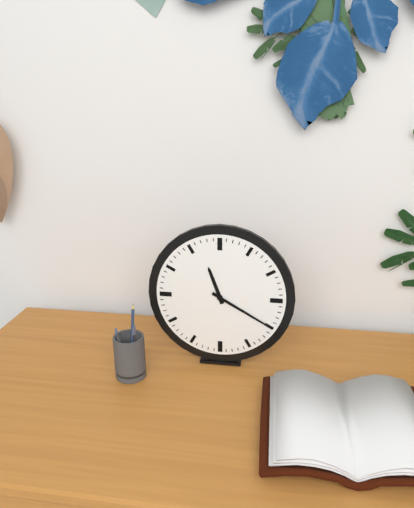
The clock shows {"hour": 11, "minute": 20}
